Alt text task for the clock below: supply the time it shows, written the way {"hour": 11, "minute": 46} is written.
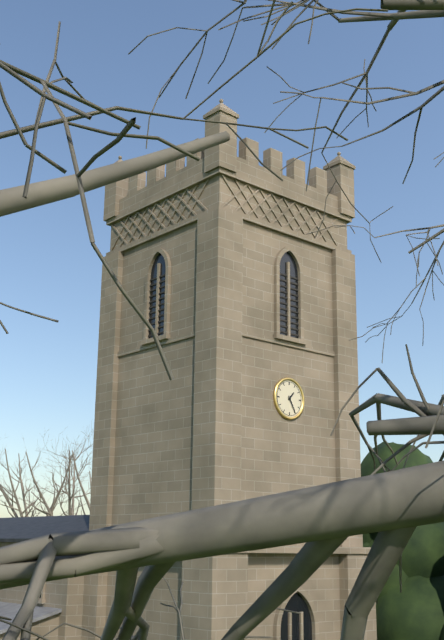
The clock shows {"hour": 1, "minute": 25}
